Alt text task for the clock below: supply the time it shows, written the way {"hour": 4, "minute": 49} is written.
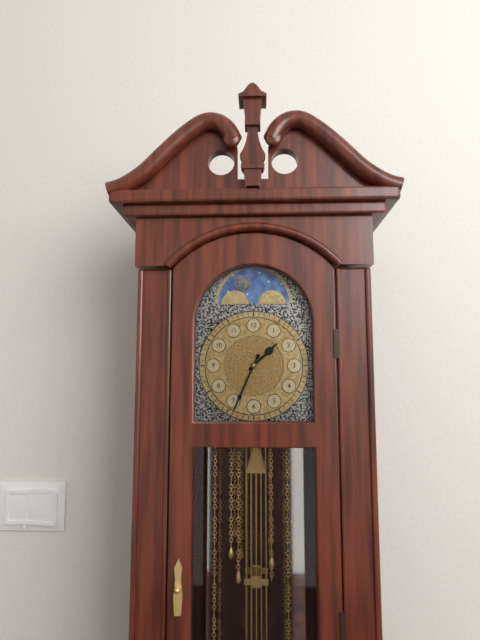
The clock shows {"hour": 1, "minute": 34}
